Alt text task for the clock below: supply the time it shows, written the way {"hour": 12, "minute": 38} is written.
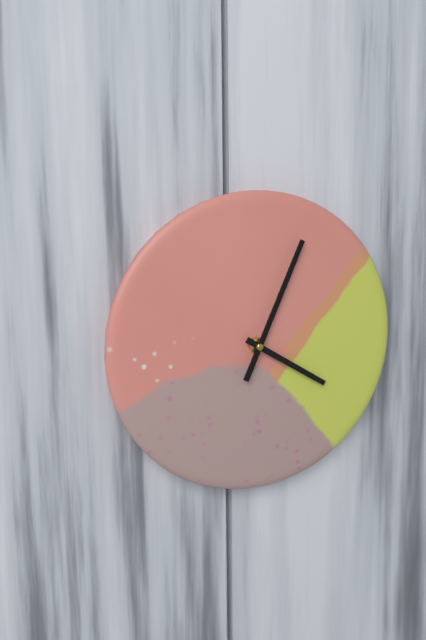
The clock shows {"hour": 4, "minute": 4}
